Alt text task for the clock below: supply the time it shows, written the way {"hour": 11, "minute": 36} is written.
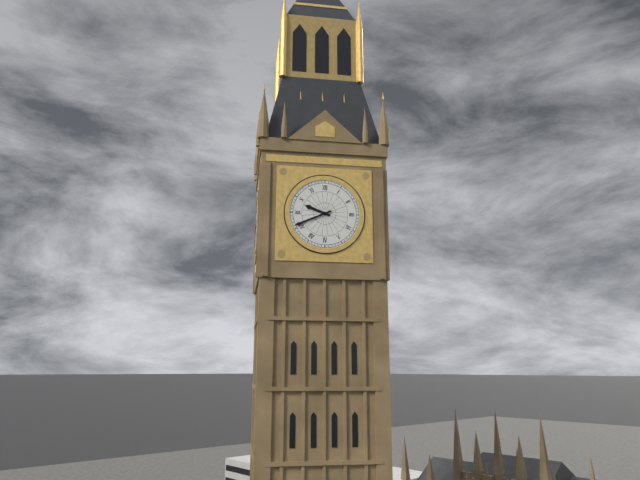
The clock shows {"hour": 9, "minute": 41}
